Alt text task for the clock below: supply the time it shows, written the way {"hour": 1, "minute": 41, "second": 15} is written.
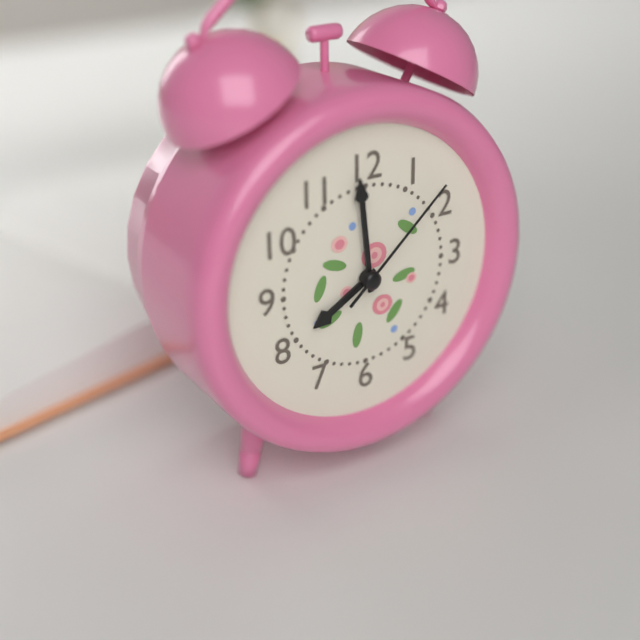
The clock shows {"hour": 7, "minute": 59, "second": 8}
